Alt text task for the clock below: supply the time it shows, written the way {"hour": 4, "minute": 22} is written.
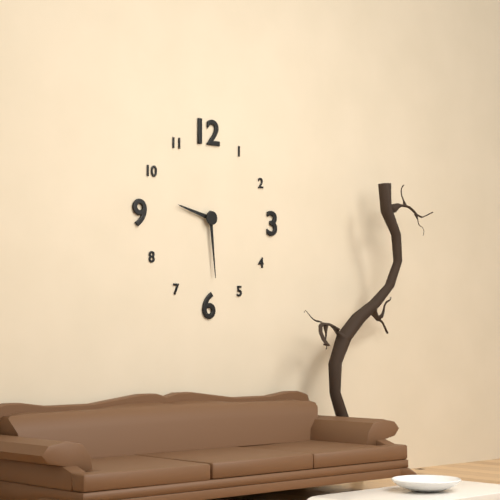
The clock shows {"hour": 9, "minute": 29}
